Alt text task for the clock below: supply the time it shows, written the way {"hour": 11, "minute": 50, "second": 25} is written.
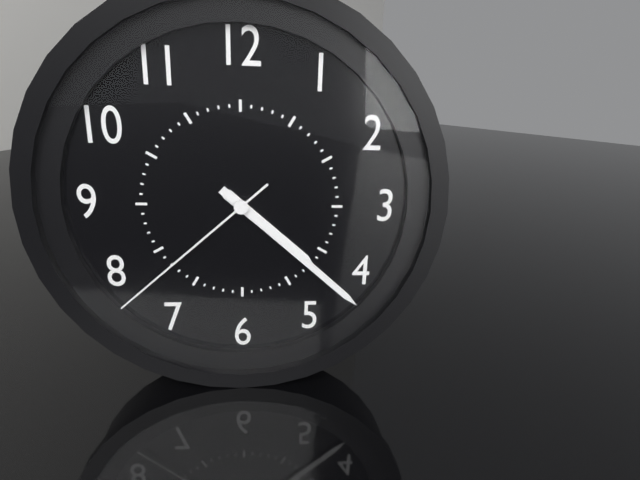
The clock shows {"hour": 4, "minute": 22, "second": 38}
